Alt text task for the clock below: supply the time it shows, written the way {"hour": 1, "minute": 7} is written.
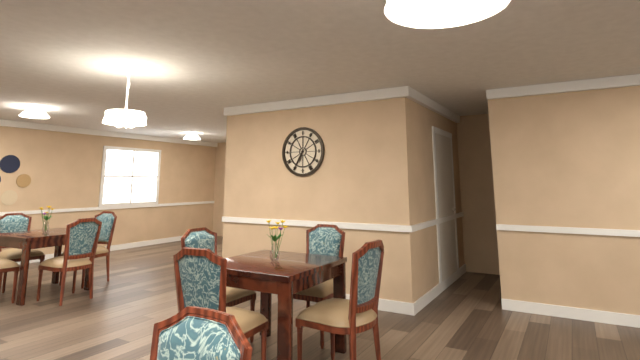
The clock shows {"hour": 6, "minute": 35}
